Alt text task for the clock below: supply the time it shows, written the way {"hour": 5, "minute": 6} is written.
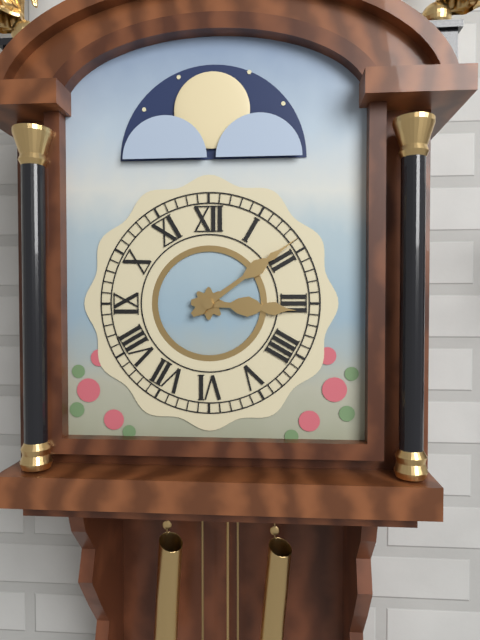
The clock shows {"hour": 3, "minute": 9}
